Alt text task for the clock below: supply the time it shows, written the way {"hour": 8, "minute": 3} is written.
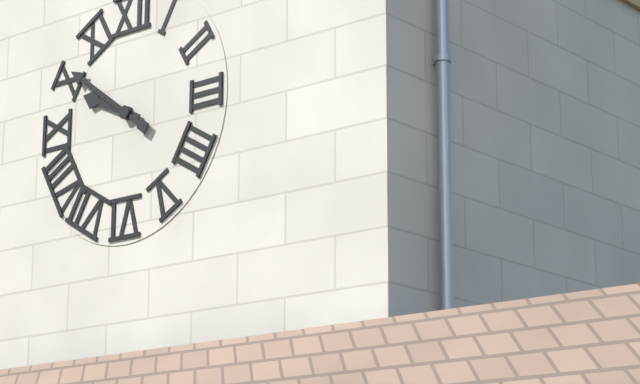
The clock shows {"hour": 9, "minute": 51}
